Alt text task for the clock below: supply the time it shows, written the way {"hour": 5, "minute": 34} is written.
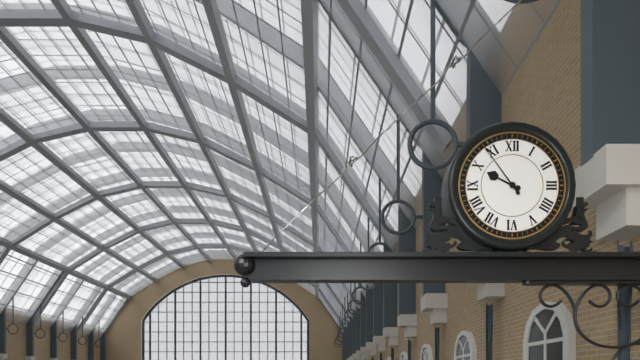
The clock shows {"hour": 9, "minute": 54}
